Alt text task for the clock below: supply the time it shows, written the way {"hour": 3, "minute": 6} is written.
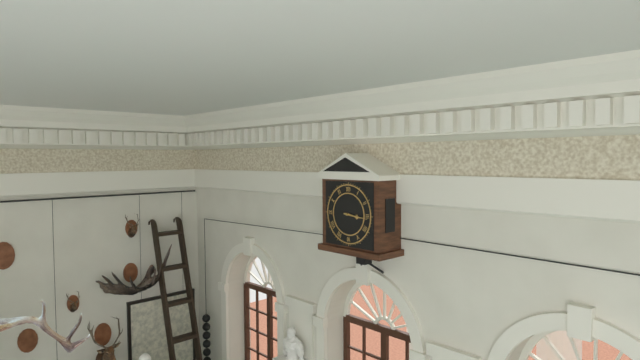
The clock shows {"hour": 3, "minute": 16}
